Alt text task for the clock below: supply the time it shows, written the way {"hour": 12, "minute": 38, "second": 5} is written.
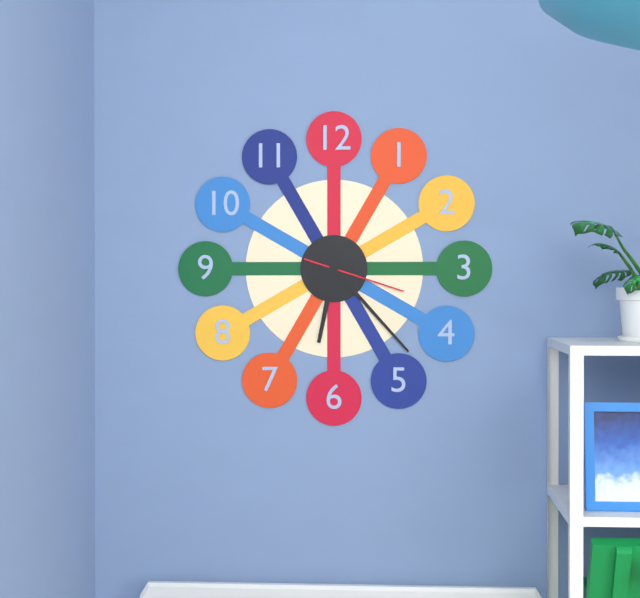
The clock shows {"hour": 6, "minute": 23, "second": 18}
